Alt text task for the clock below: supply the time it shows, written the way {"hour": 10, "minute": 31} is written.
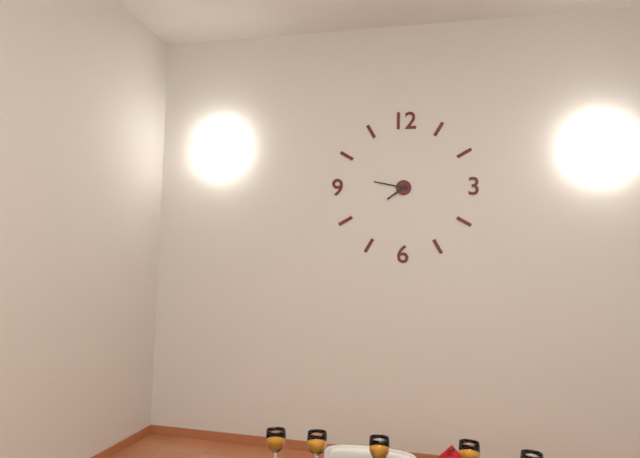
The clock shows {"hour": 7, "minute": 47}
